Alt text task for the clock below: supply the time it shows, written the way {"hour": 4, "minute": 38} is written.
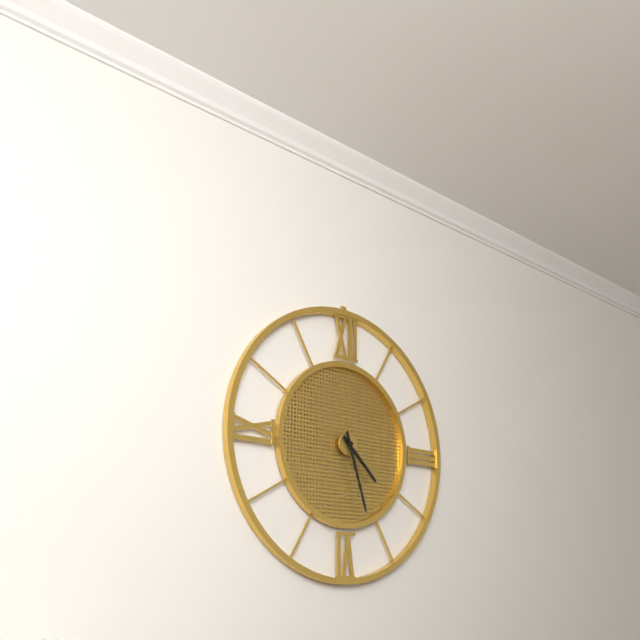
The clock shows {"hour": 4, "minute": 27}
